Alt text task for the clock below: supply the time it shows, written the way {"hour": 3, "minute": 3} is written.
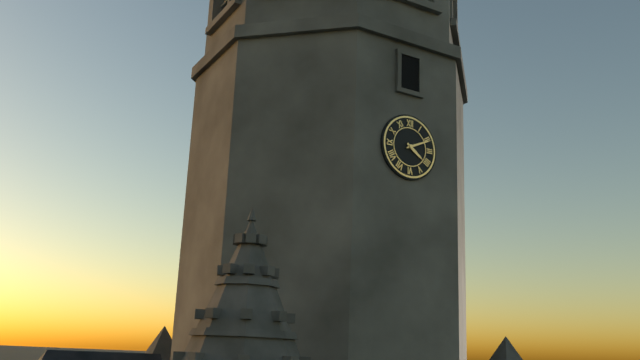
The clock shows {"hour": 4, "minute": 11}
